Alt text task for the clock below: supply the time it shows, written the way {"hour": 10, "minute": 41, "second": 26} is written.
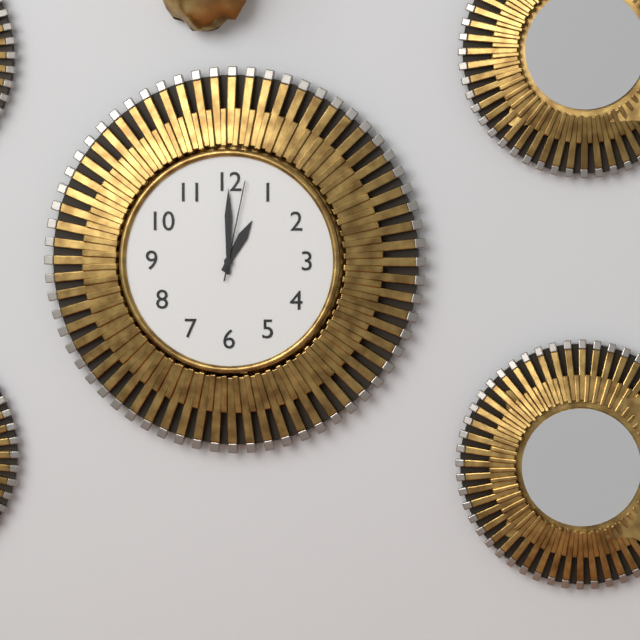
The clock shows {"hour": 1, "minute": 0, "second": 2}
